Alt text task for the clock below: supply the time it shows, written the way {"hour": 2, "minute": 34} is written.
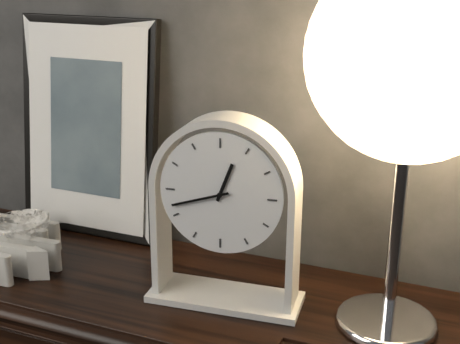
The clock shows {"hour": 12, "minute": 42}
